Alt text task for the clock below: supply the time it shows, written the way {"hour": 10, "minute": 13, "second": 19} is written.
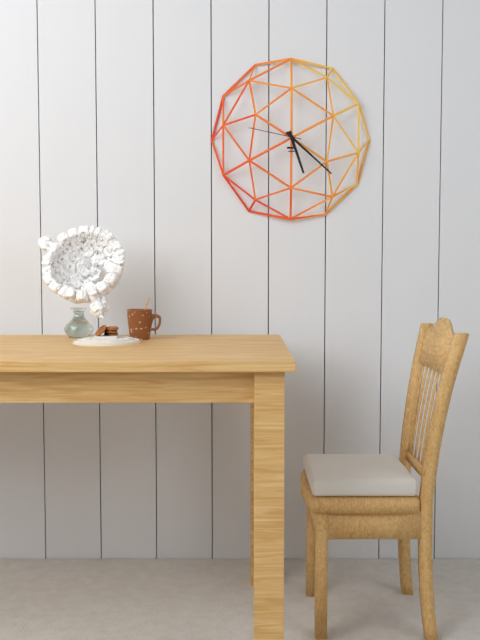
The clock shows {"hour": 5, "minute": 22, "second": 47}
